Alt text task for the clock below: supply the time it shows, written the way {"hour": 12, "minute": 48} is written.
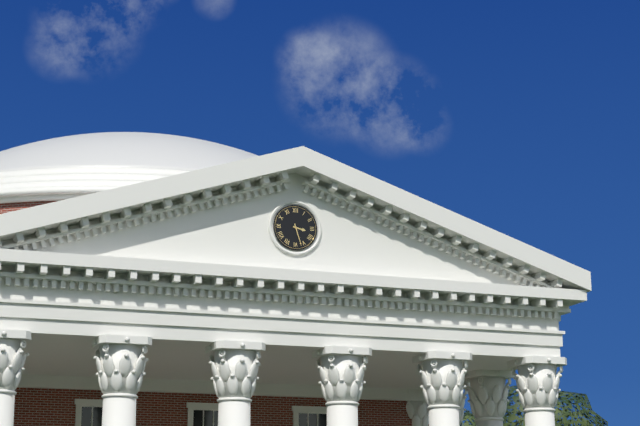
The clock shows {"hour": 3, "minute": 27}
